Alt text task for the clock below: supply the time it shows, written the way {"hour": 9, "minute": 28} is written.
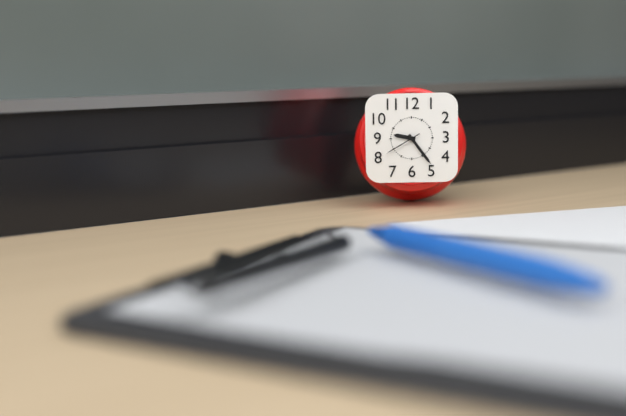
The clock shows {"hour": 9, "minute": 24}
